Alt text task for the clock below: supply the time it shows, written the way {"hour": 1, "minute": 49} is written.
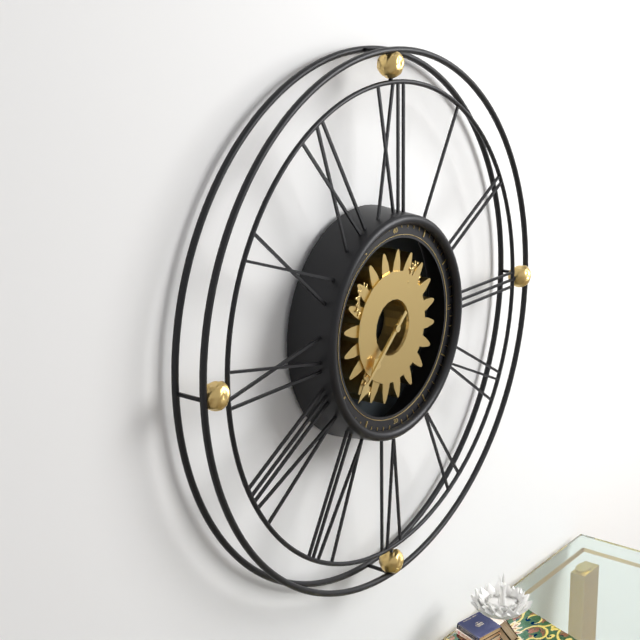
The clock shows {"hour": 7, "minute": 38}
